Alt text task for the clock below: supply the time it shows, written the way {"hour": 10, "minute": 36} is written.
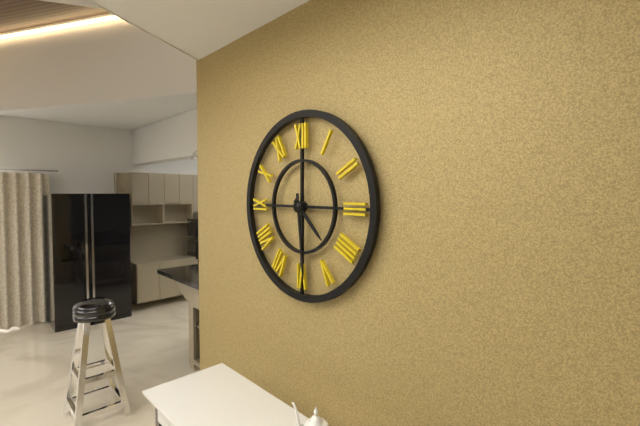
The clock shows {"hour": 4, "minute": 29}
